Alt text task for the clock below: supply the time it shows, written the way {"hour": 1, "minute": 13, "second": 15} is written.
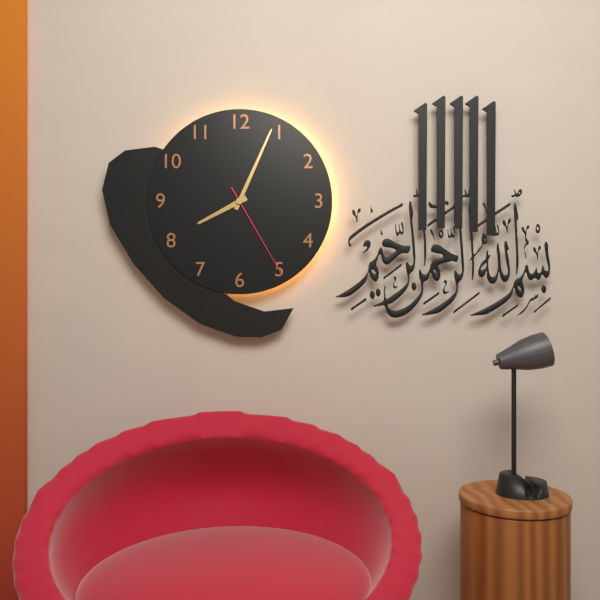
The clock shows {"hour": 8, "minute": 4, "second": 25}
